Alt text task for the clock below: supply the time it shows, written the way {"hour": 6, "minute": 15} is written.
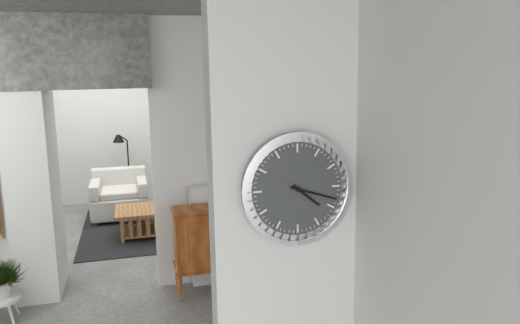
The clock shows {"hour": 4, "minute": 18}
